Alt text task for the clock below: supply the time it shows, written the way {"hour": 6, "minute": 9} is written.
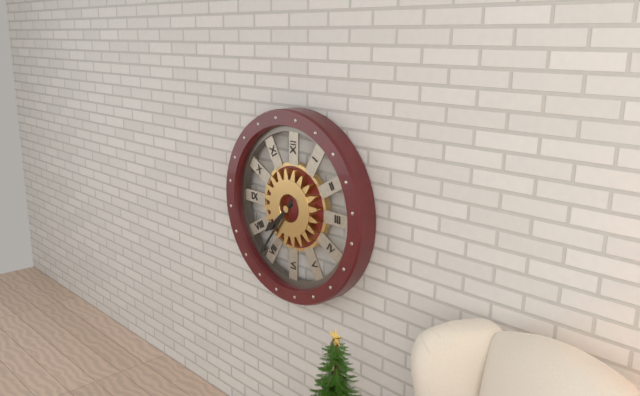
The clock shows {"hour": 7, "minute": 36}
